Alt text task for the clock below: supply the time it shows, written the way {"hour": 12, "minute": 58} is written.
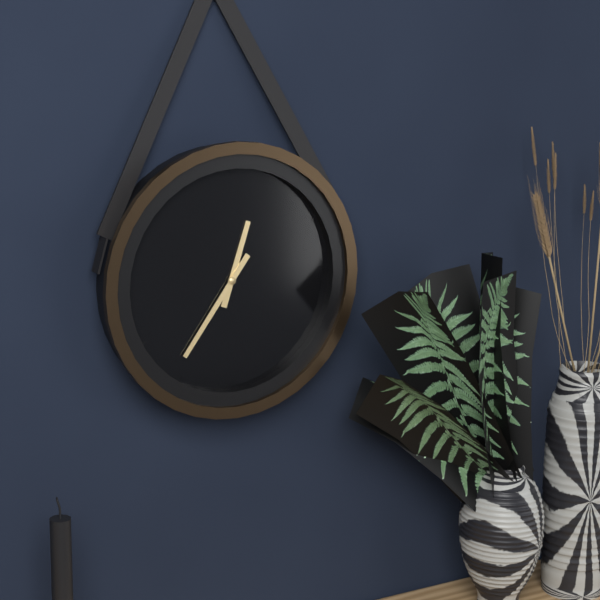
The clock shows {"hour": 12, "minute": 36}
